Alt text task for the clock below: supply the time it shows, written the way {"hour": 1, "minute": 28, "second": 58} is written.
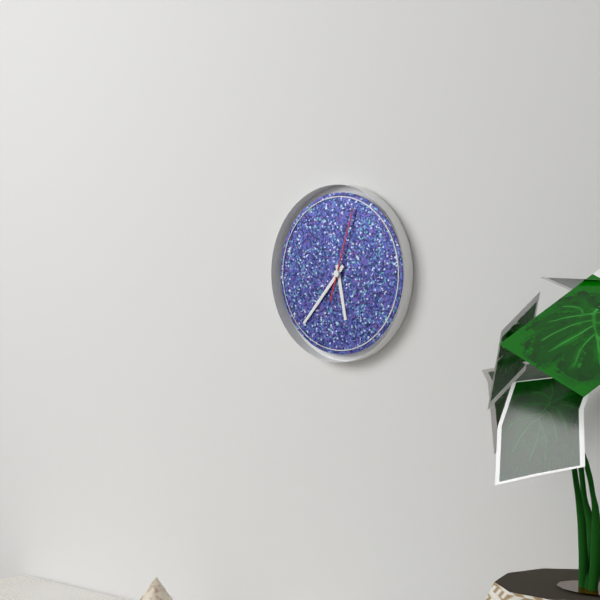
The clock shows {"hour": 5, "minute": 37, "second": 3}
